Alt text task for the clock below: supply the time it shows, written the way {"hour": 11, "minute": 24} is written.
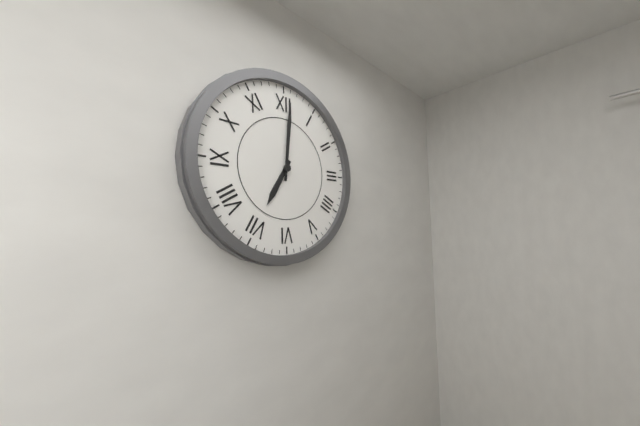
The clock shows {"hour": 7, "minute": 1}
